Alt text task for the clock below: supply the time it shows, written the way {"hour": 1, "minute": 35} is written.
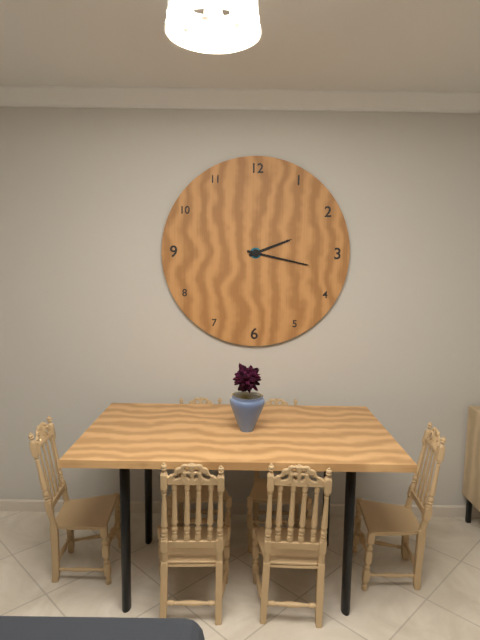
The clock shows {"hour": 2, "minute": 17}
